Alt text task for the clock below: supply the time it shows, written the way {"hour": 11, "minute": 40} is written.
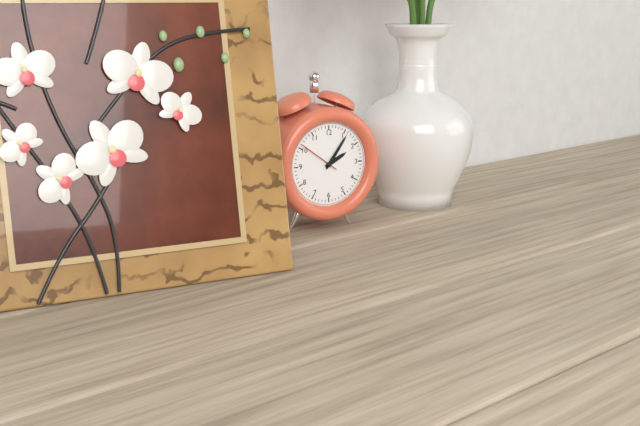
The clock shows {"hour": 2, "minute": 6}
